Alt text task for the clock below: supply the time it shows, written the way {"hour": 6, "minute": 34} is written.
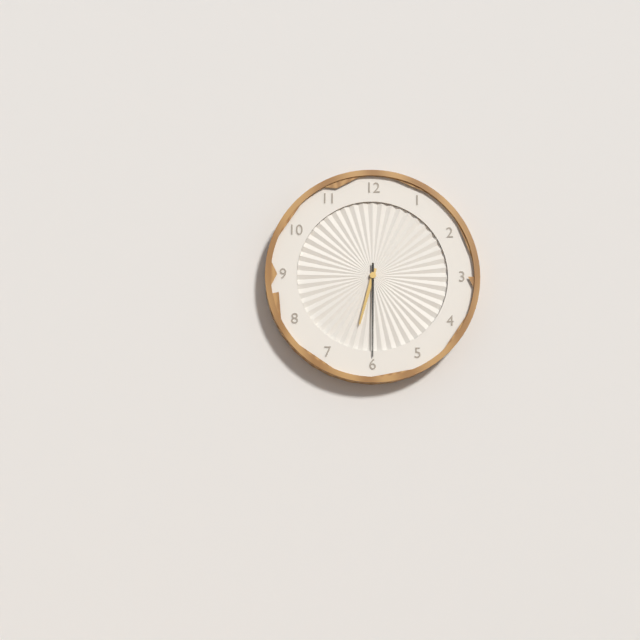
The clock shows {"hour": 6, "minute": 30}
